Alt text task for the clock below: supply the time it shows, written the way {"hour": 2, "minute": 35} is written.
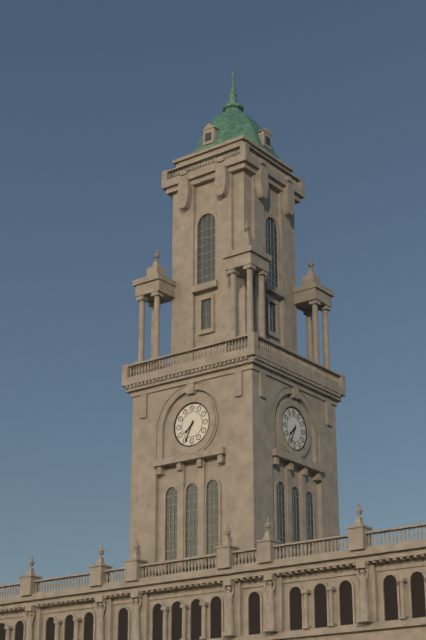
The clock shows {"hour": 7, "minute": 34}
